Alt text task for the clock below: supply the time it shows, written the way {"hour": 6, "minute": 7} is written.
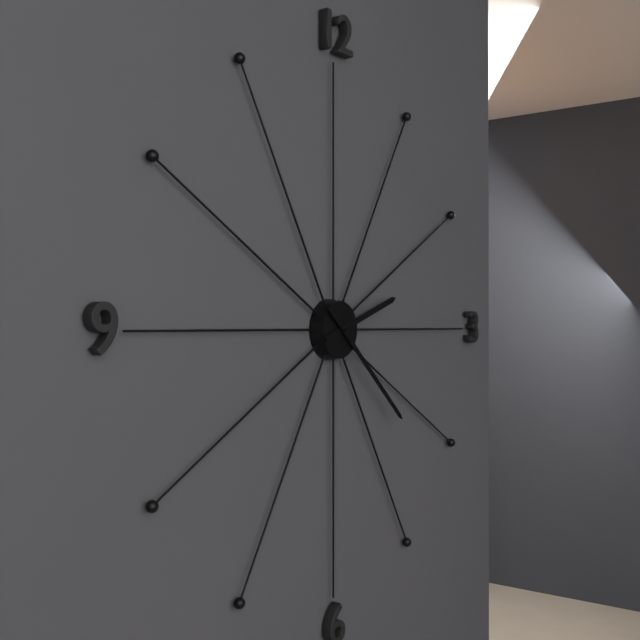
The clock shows {"hour": 2, "minute": 22}
